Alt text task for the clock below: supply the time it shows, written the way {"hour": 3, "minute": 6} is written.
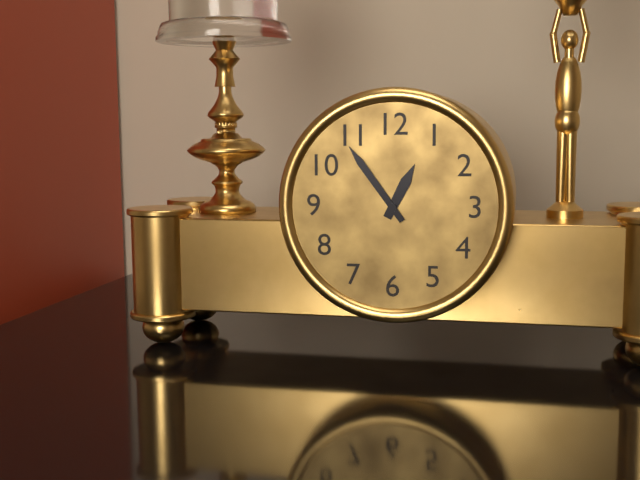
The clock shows {"hour": 12, "minute": 54}
